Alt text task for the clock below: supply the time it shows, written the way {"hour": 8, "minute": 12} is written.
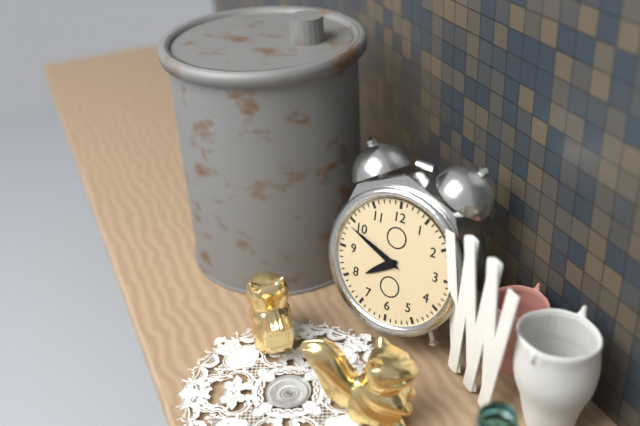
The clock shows {"hour": 7, "minute": 49}
